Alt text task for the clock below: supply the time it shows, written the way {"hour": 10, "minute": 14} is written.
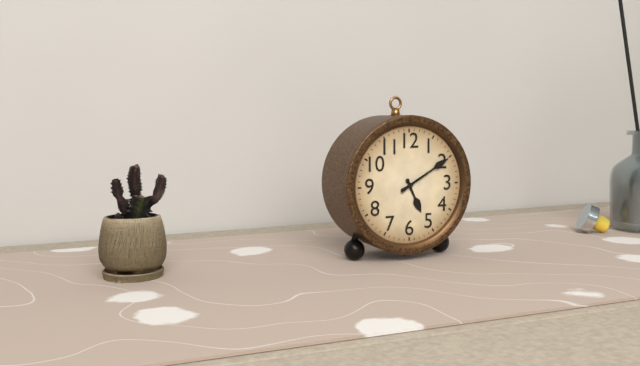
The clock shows {"hour": 5, "minute": 10}
